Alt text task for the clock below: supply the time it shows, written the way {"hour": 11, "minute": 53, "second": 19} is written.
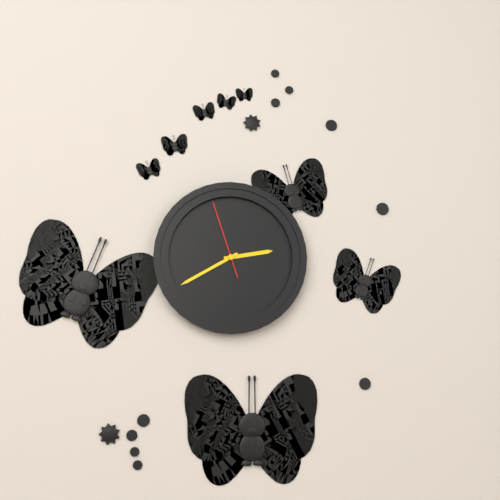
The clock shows {"hour": 2, "minute": 40, "second": 57}
